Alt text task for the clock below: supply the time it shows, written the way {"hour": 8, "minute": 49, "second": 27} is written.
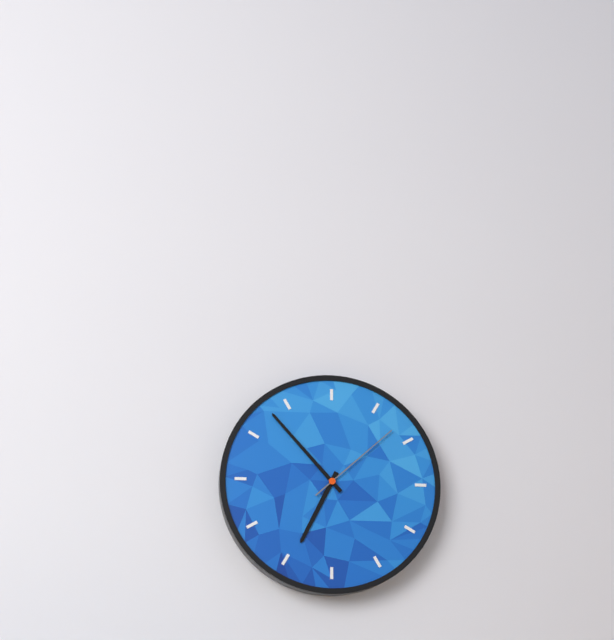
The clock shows {"hour": 6, "minute": 53, "second": 8}
